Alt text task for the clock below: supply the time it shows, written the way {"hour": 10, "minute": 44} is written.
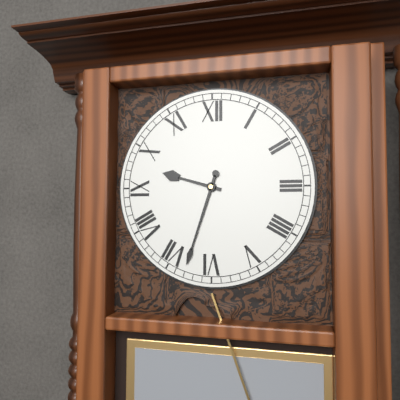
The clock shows {"hour": 9, "minute": 33}
